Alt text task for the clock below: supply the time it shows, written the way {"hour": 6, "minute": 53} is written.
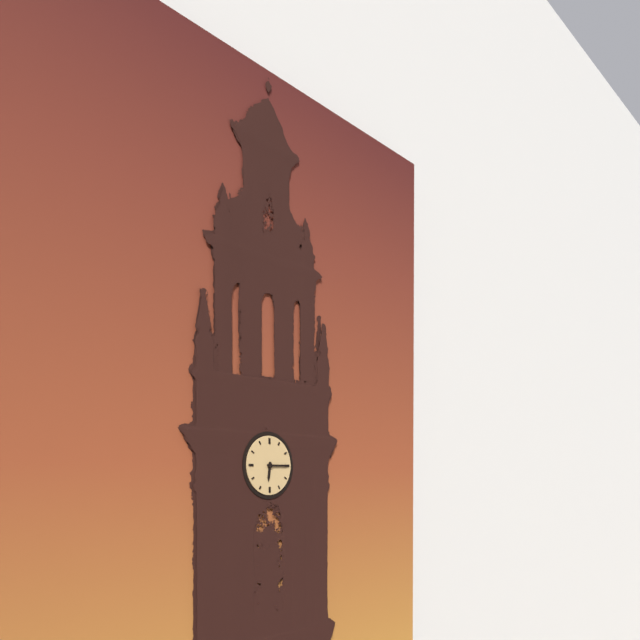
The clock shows {"hour": 6, "minute": 15}
